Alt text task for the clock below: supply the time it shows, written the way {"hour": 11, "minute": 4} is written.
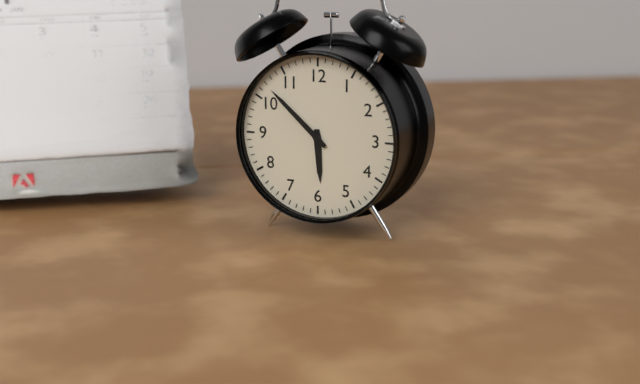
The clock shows {"hour": 5, "minute": 52}
